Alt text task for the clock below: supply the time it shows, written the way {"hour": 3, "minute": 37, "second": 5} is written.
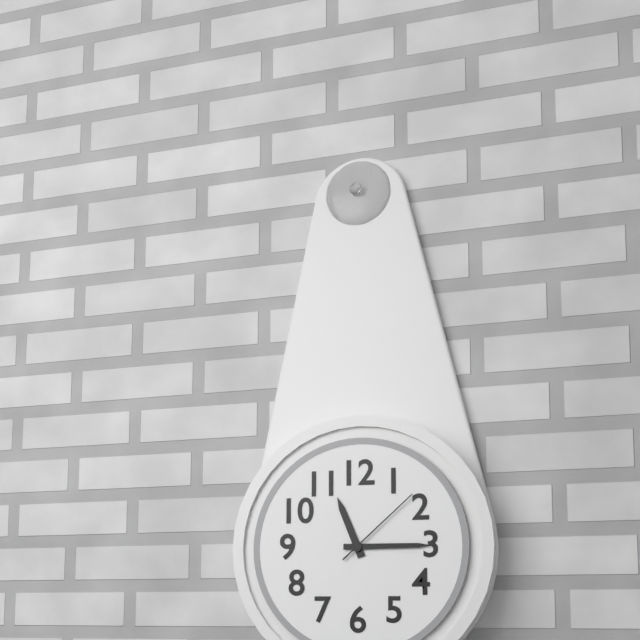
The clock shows {"hour": 11, "minute": 15, "second": 8}
